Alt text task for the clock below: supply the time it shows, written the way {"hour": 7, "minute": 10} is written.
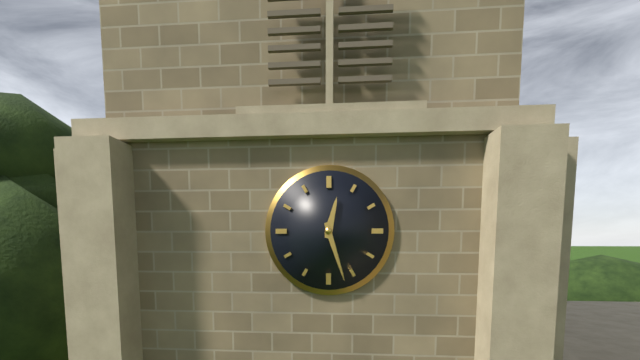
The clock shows {"hour": 12, "minute": 27}
